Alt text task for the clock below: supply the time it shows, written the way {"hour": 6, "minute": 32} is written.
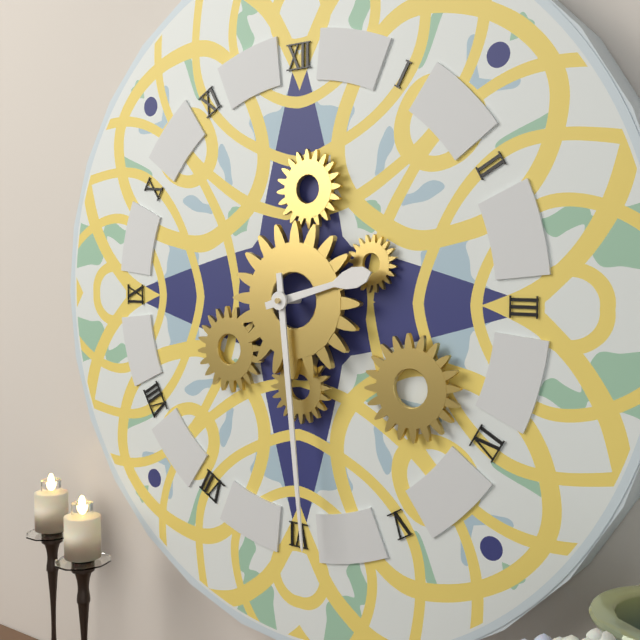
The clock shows {"hour": 2, "minute": 29}
